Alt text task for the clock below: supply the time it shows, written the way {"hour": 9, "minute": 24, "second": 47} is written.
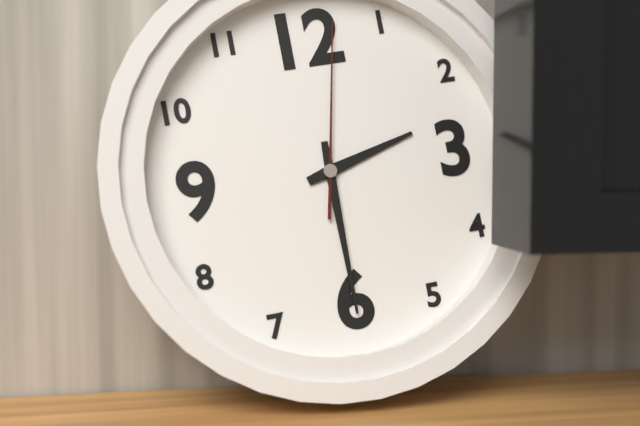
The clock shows {"hour": 2, "minute": 30, "second": 2}
